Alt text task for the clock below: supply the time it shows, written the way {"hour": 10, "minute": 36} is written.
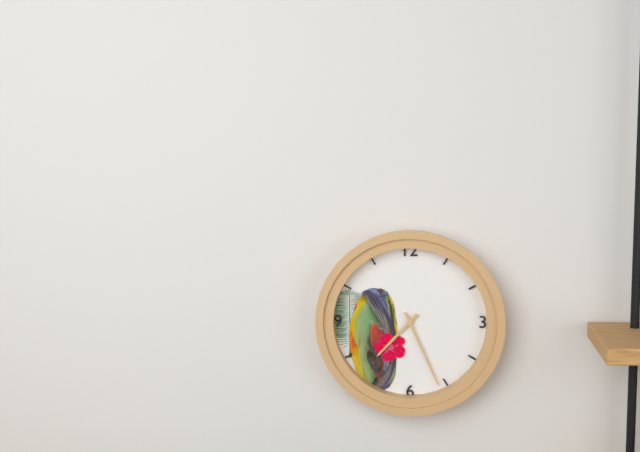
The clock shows {"hour": 7, "minute": 26}
